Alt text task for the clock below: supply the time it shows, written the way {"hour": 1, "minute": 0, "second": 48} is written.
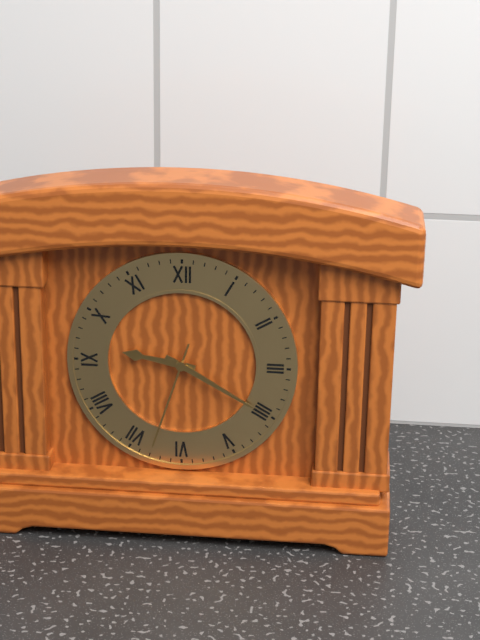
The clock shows {"hour": 9, "minute": 20, "second": 33}
